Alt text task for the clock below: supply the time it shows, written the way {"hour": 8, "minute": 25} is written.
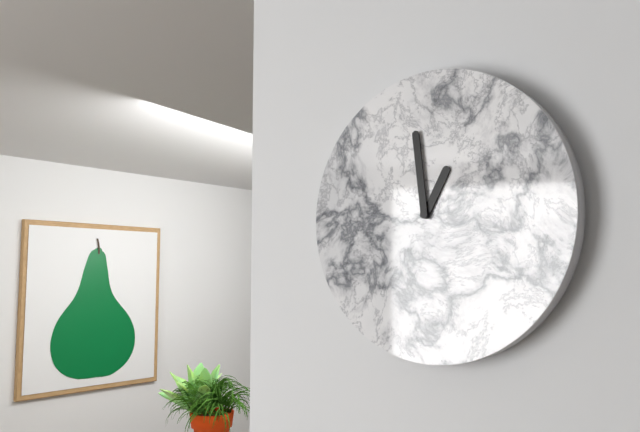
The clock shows {"hour": 12, "minute": 59}
